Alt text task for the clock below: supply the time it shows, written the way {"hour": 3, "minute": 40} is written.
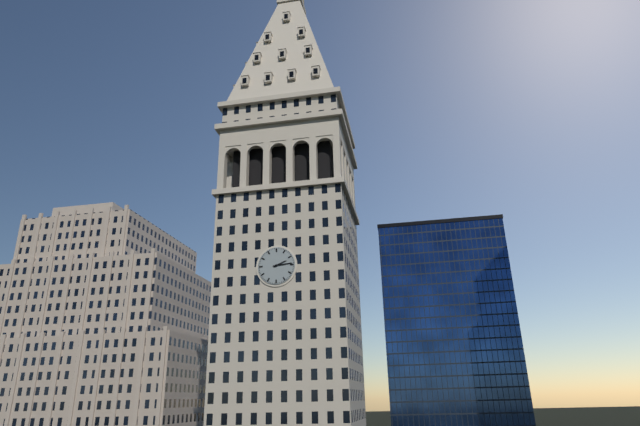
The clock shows {"hour": 2, "minute": 14}
